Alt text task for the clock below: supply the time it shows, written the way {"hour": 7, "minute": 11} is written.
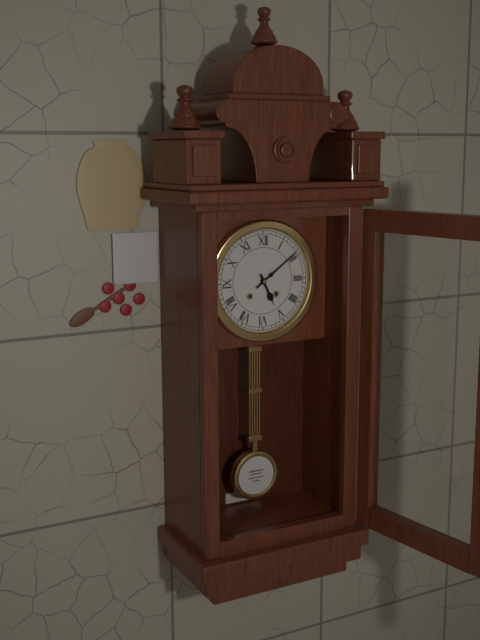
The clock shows {"hour": 5, "minute": 9}
